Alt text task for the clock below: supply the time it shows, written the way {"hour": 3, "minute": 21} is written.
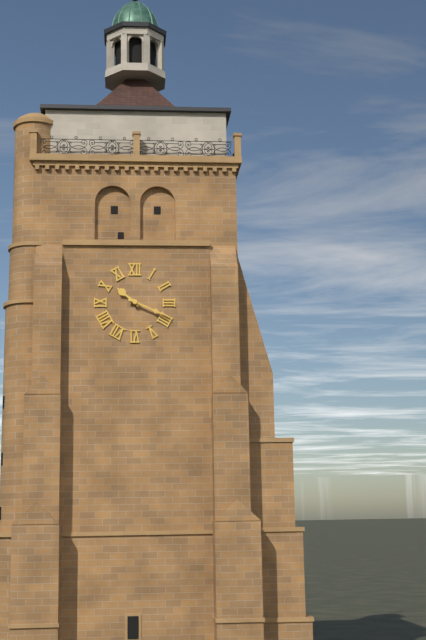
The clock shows {"hour": 10, "minute": 19}
